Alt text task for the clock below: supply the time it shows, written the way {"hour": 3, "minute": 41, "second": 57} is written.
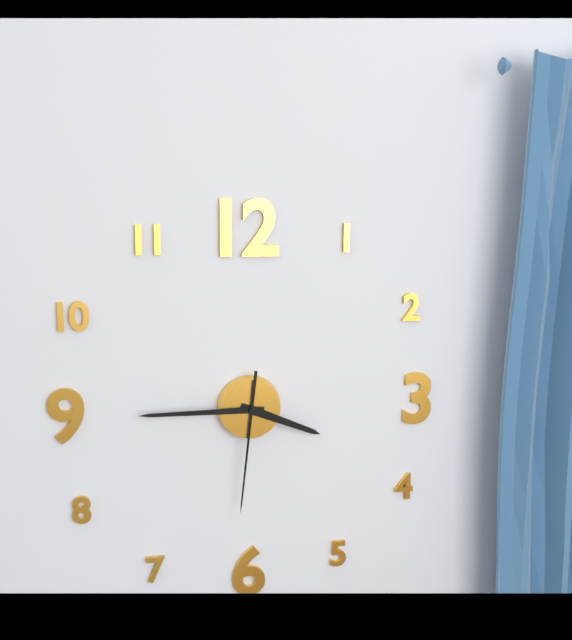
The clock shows {"hour": 3, "minute": 45, "second": 31}
